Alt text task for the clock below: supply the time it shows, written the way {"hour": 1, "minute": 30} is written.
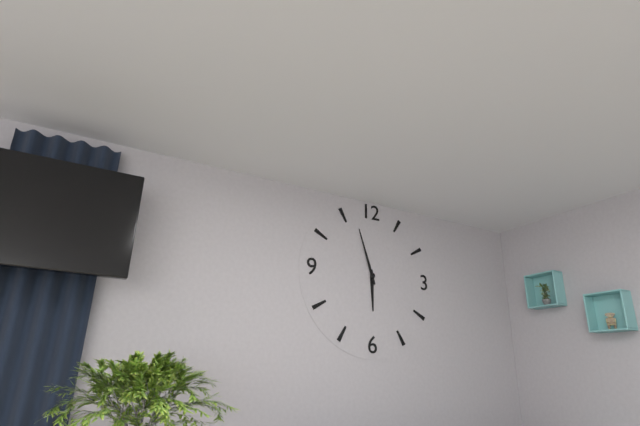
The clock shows {"hour": 5, "minute": 57}
